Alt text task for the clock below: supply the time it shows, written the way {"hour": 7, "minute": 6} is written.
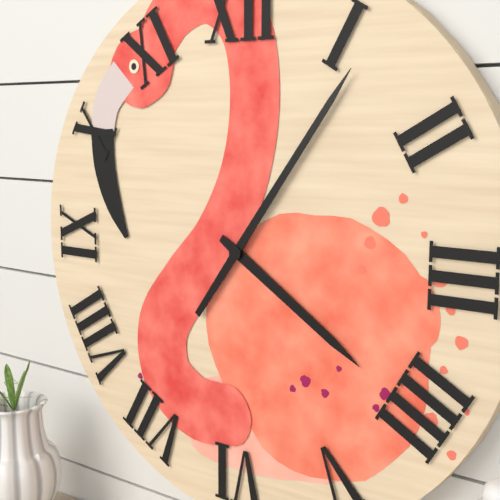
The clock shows {"hour": 4, "minute": 6}
